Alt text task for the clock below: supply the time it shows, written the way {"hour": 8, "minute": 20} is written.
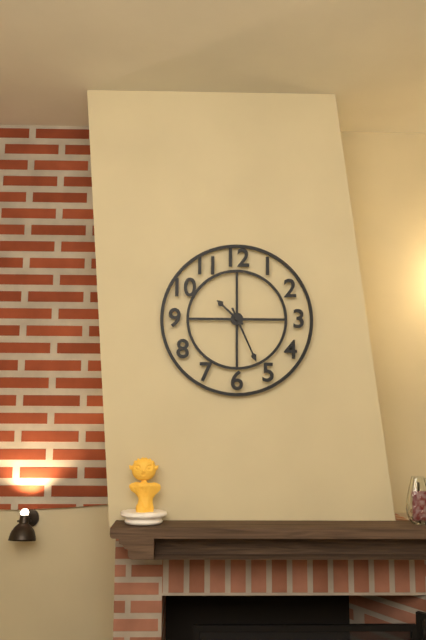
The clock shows {"hour": 10, "minute": 26}
